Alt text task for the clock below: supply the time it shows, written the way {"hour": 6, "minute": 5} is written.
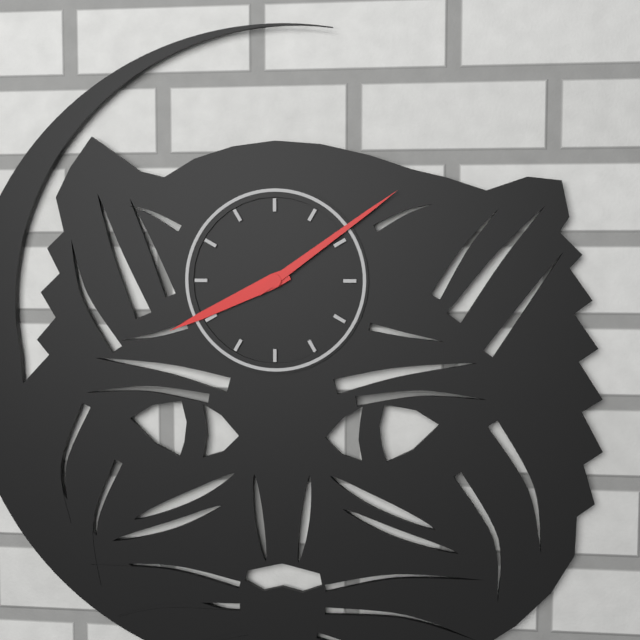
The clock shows {"hour": 8, "minute": 9}
